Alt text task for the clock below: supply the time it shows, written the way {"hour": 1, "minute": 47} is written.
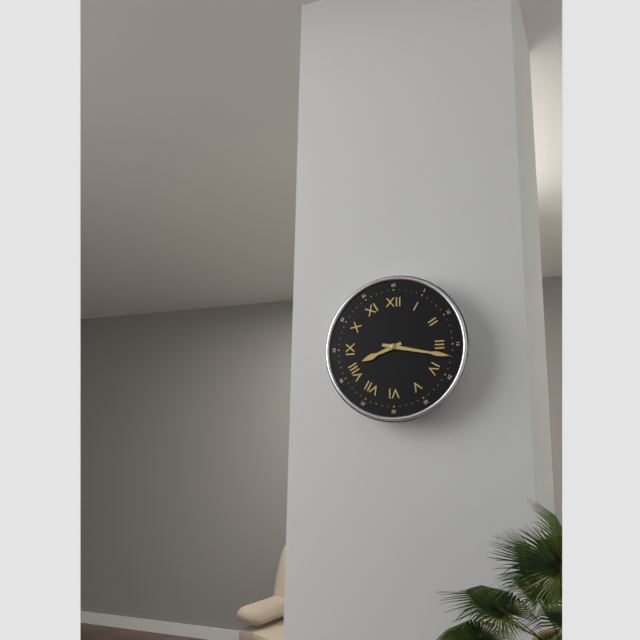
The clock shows {"hour": 8, "minute": 17}
